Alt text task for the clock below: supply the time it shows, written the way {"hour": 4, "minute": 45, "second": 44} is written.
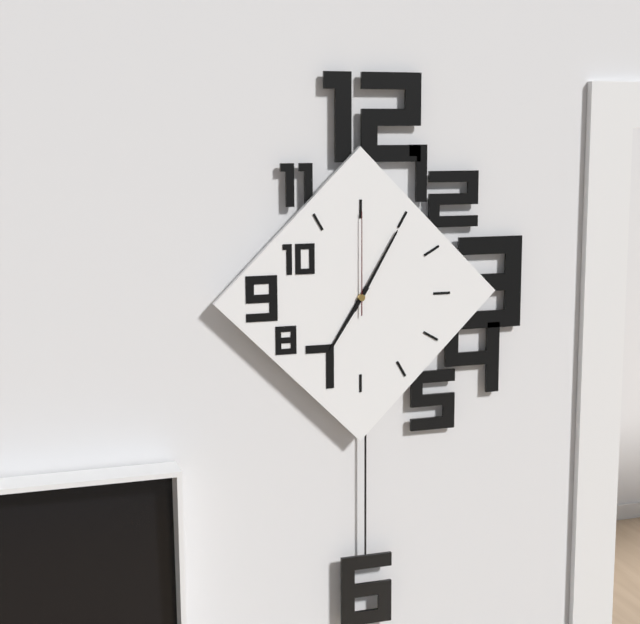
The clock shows {"hour": 7, "minute": 5, "second": 0}
